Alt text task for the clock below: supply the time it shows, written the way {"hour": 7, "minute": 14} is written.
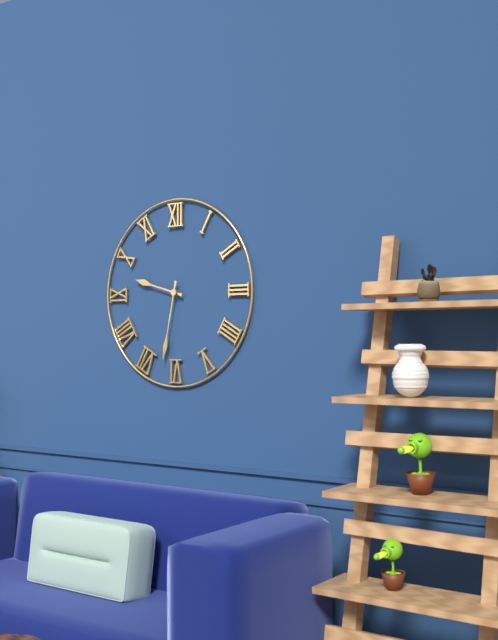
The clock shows {"hour": 9, "minute": 32}
